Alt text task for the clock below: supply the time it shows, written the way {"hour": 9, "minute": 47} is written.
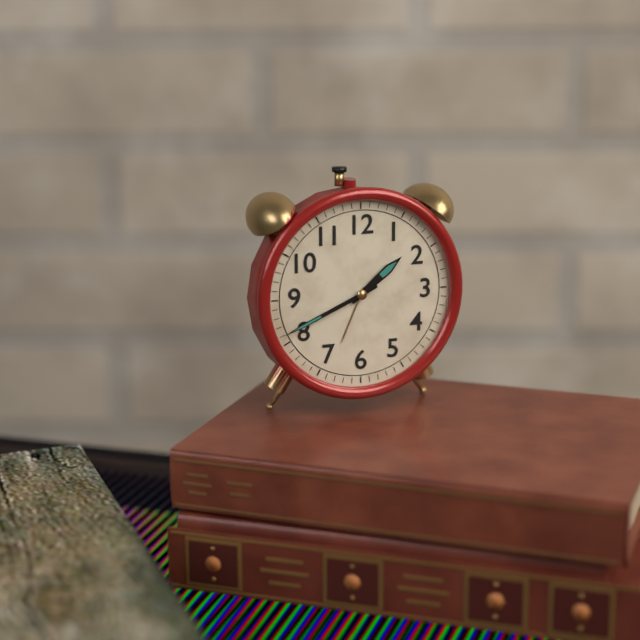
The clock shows {"hour": 1, "minute": 41}
